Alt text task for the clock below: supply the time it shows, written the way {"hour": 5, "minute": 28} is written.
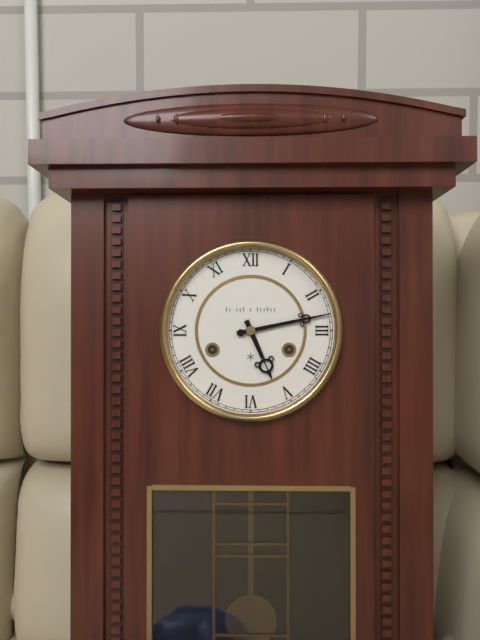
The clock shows {"hour": 5, "minute": 13}
